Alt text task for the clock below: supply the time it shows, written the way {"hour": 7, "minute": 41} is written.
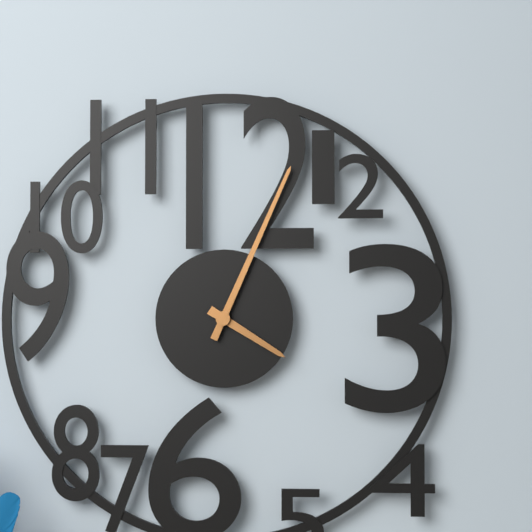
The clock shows {"hour": 4, "minute": 4}
